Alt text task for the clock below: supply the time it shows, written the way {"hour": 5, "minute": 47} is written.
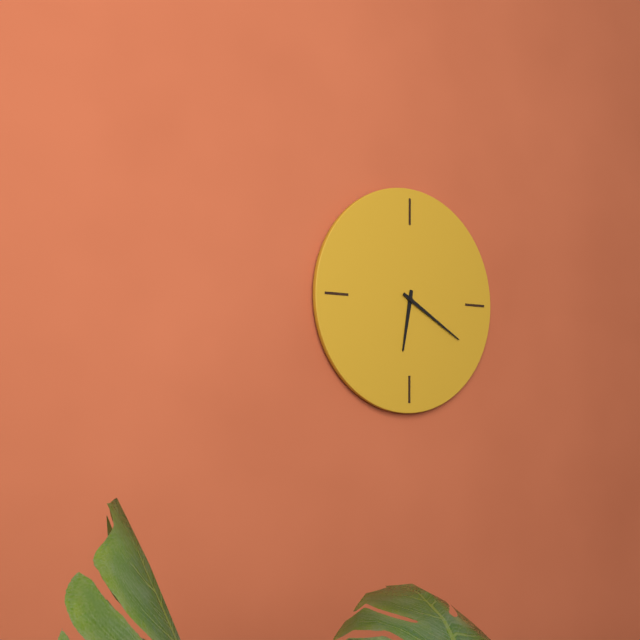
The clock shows {"hour": 6, "minute": 20}
